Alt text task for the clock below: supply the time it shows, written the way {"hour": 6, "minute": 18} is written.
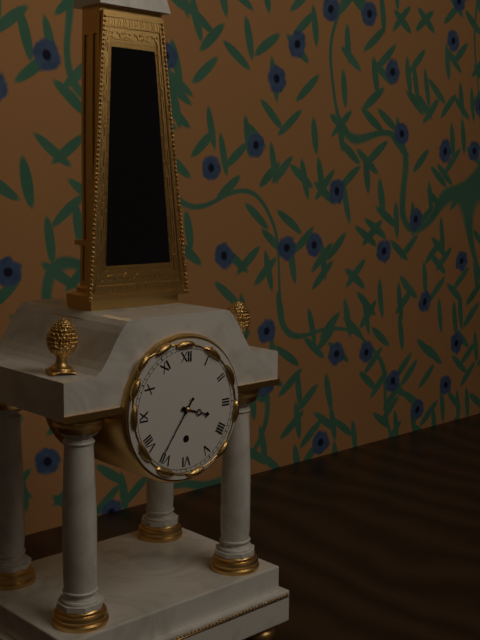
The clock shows {"hour": 3, "minute": 36}
